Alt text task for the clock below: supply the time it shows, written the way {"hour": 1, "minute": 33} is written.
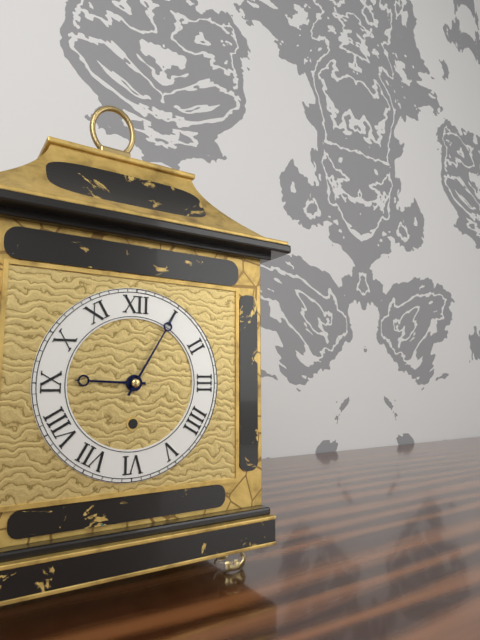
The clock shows {"hour": 9, "minute": 5}
